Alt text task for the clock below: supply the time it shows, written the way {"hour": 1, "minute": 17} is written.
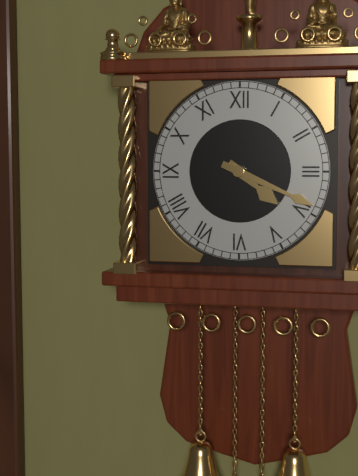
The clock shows {"hour": 4, "minute": 19}
